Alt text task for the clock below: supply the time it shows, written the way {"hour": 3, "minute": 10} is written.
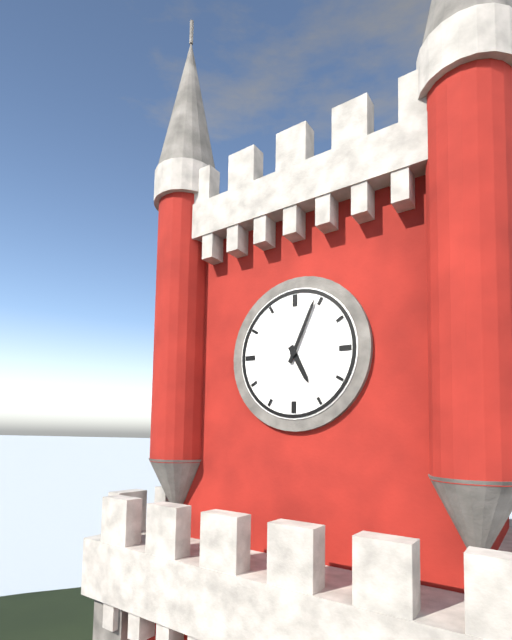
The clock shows {"hour": 5, "minute": 4}
